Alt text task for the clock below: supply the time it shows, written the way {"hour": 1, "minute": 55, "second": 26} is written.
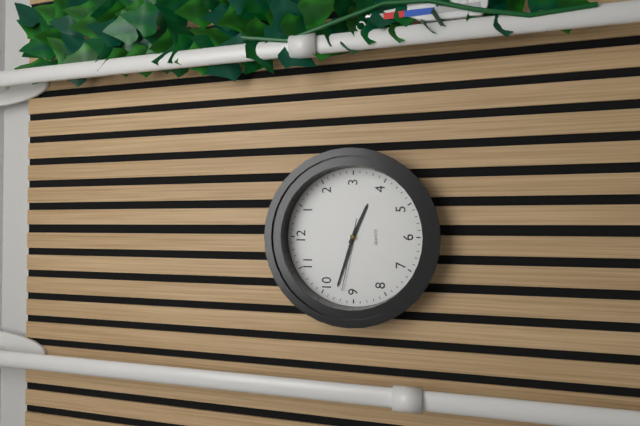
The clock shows {"hour": 3, "minute": 48, "second": 47}
